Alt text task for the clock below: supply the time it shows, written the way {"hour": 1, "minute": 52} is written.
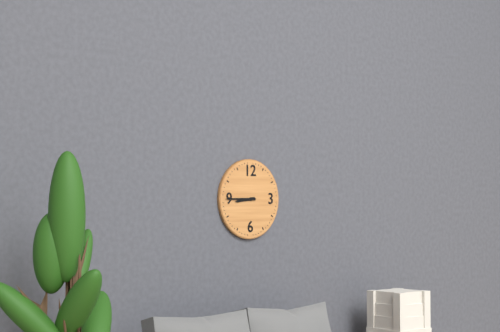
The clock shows {"hour": 8, "minute": 45}
